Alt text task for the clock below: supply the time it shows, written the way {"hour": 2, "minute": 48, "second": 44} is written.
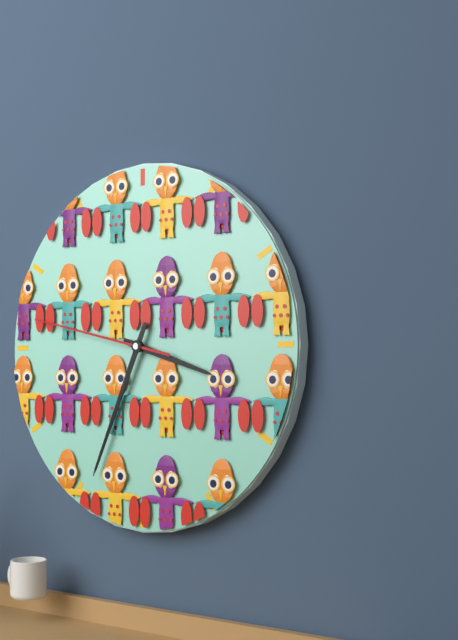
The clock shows {"hour": 3, "minute": 34, "second": 47}
